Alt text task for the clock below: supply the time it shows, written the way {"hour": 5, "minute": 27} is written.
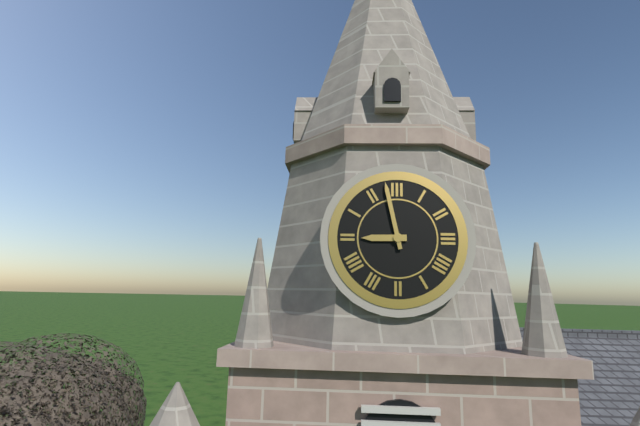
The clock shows {"hour": 8, "minute": 58}
